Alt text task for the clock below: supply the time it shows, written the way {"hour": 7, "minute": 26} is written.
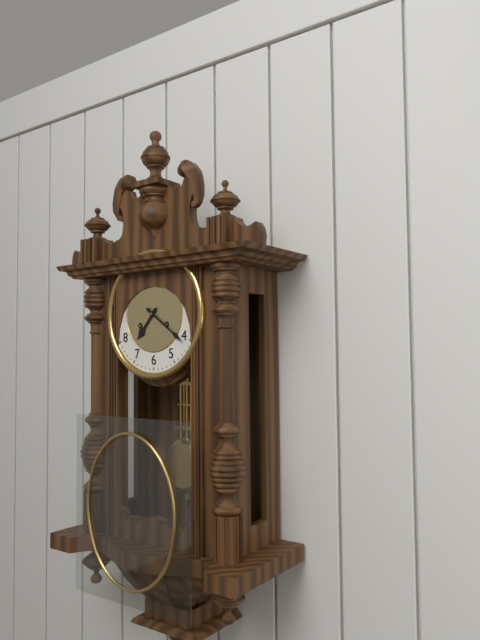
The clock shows {"hour": 7, "minute": 21}
